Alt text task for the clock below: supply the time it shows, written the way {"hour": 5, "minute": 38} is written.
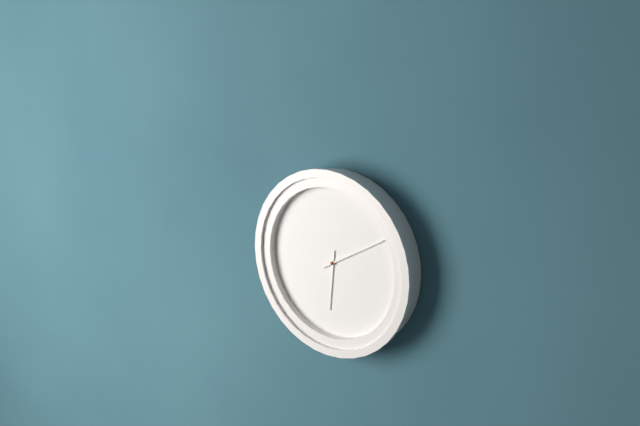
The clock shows {"hour": 6, "minute": 10}
